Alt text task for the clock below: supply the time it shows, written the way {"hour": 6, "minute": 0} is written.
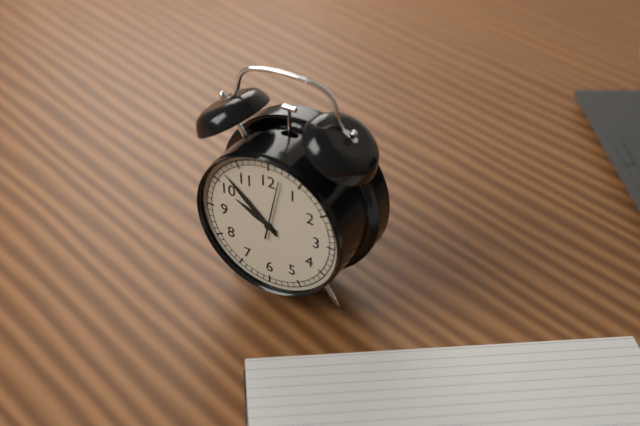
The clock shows {"hour": 9, "minute": 52}
